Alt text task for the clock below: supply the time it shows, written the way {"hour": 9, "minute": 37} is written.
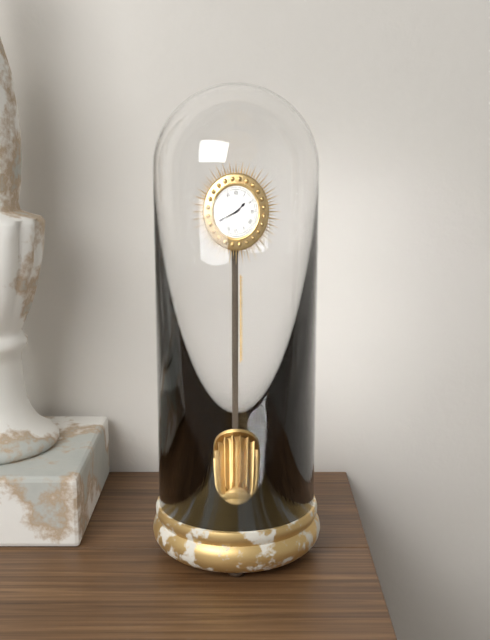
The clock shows {"hour": 1, "minute": 41}
